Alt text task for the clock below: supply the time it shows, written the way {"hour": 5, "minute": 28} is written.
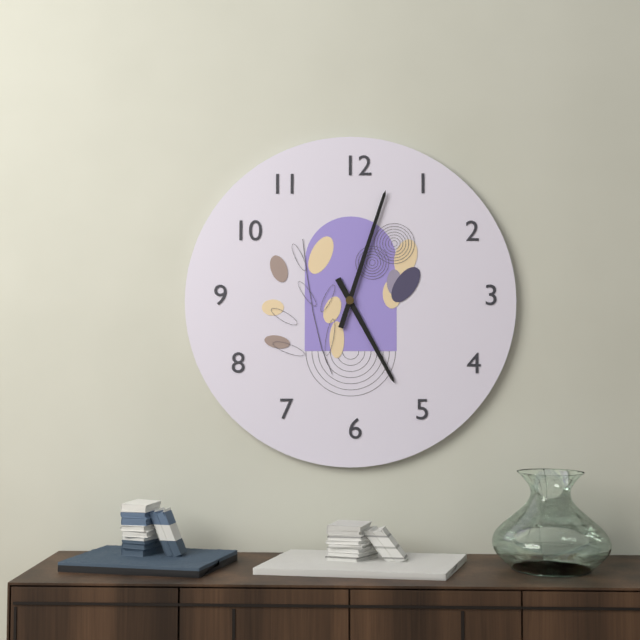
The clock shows {"hour": 5, "minute": 3}
